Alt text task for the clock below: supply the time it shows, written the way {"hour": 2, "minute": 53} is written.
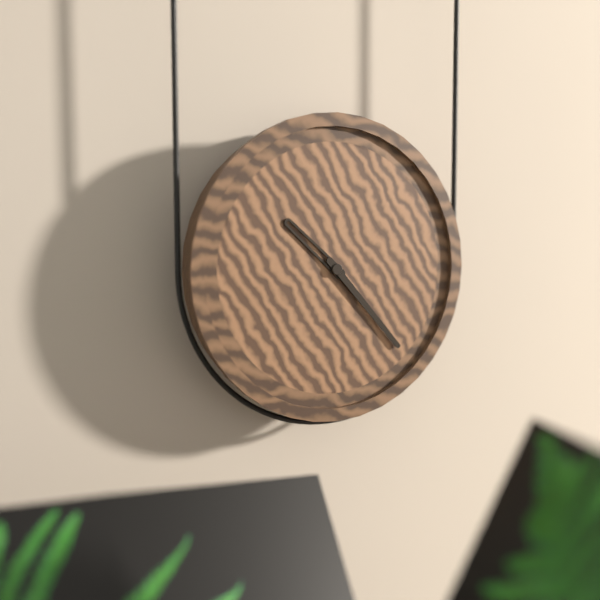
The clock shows {"hour": 10, "minute": 23}
